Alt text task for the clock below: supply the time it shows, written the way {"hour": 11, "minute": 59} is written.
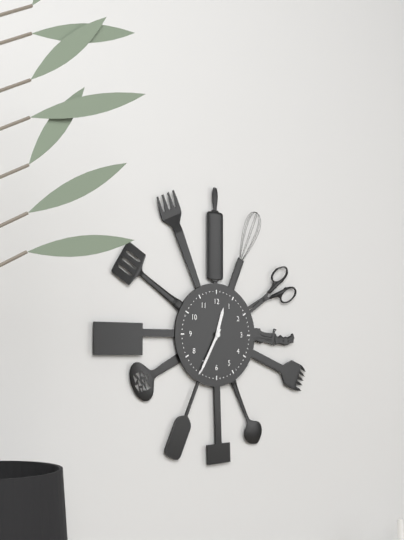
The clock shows {"hour": 12, "minute": 35}
